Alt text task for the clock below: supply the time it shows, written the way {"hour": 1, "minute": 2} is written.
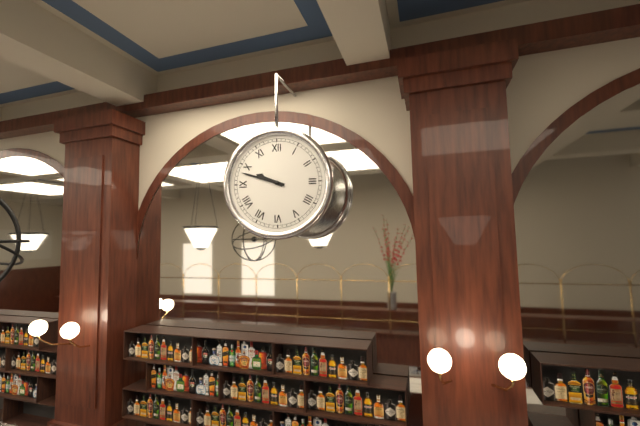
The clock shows {"hour": 9, "minute": 48}
